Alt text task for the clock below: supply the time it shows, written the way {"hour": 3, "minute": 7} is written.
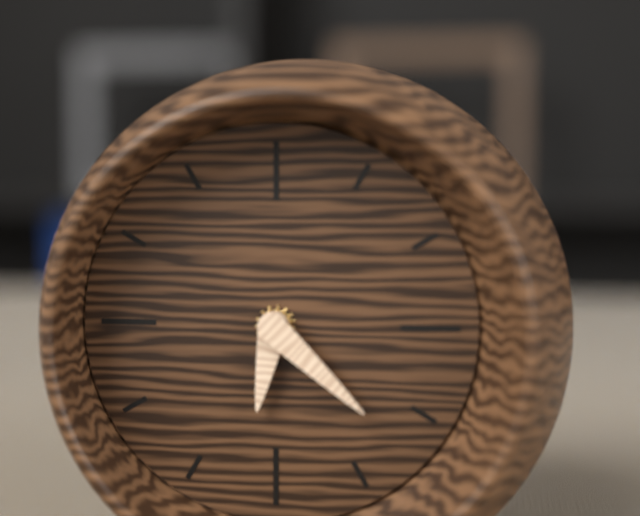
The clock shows {"hour": 6, "minute": 22}
